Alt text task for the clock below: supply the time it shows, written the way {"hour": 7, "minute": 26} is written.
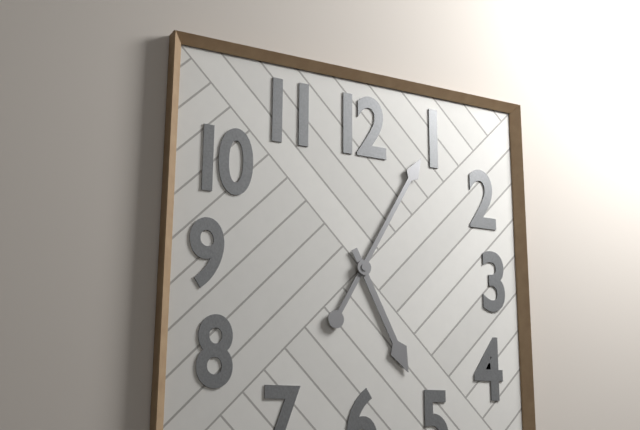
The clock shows {"hour": 5, "minute": 5}
